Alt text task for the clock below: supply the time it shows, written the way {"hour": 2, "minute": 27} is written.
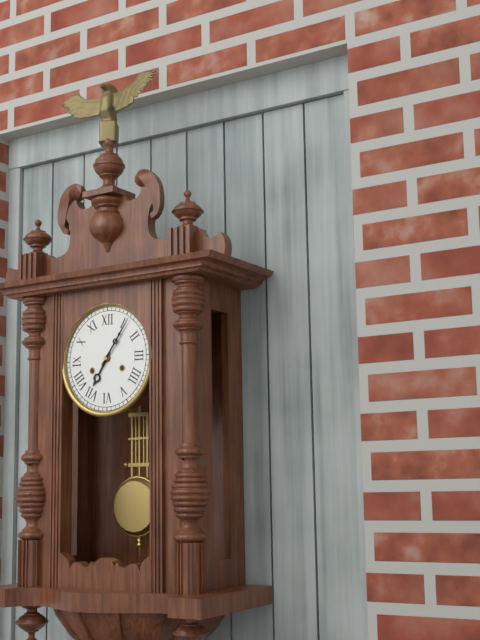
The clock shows {"hour": 7, "minute": 6}
